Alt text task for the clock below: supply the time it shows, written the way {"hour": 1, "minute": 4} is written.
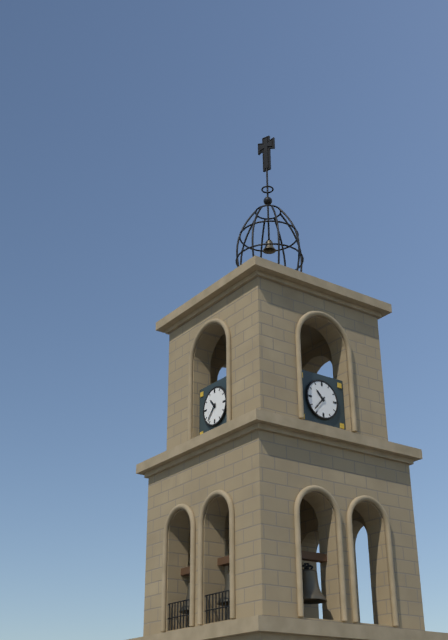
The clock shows {"hour": 10, "minute": 37}
